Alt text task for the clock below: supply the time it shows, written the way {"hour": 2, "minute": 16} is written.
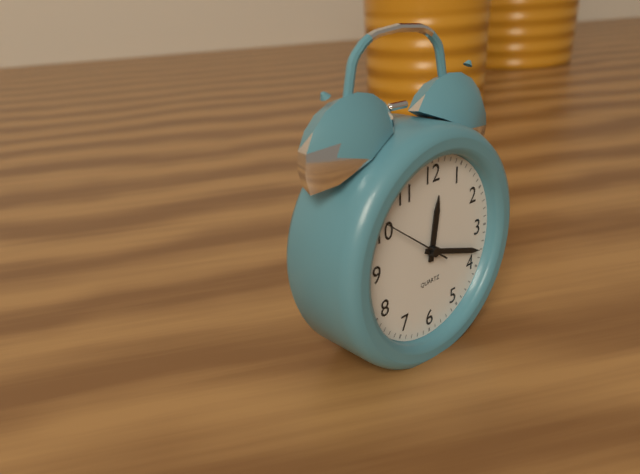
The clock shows {"hour": 12, "minute": 18}
